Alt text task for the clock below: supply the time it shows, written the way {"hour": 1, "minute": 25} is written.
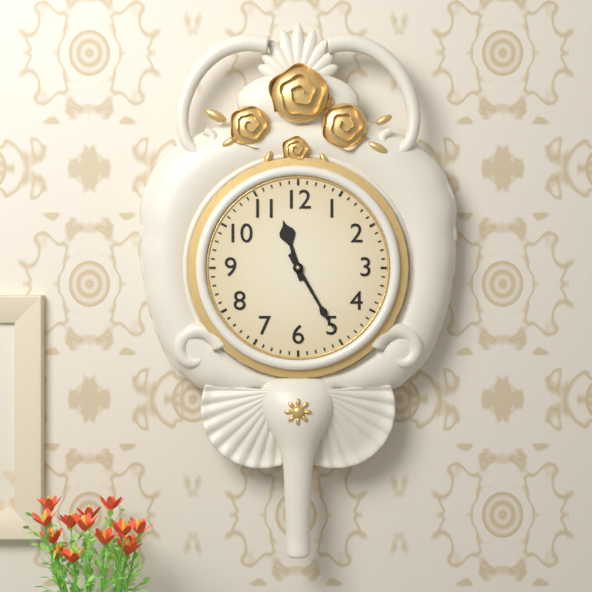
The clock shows {"hour": 11, "minute": 25}
